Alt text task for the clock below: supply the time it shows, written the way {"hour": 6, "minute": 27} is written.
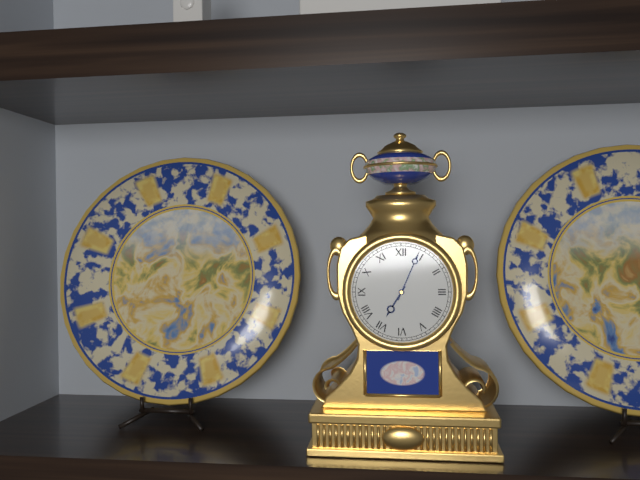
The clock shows {"hour": 7, "minute": 4}
